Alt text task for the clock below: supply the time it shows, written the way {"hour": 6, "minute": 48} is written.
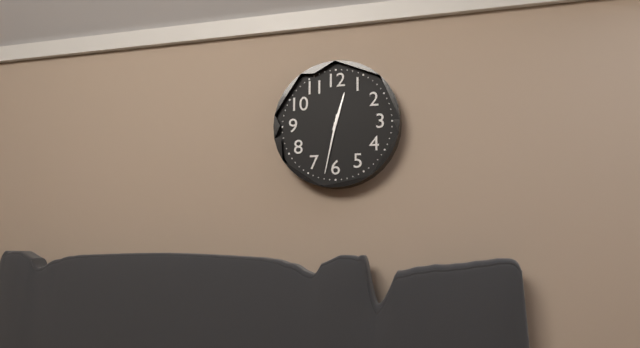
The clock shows {"hour": 12, "minute": 32}
